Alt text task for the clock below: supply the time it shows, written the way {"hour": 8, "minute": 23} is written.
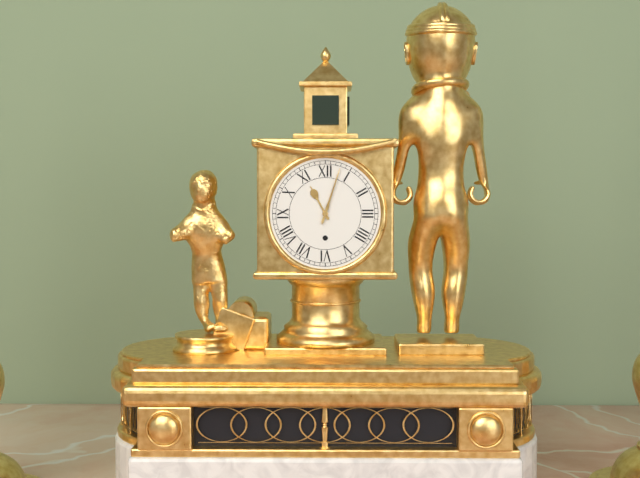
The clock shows {"hour": 11, "minute": 3}
